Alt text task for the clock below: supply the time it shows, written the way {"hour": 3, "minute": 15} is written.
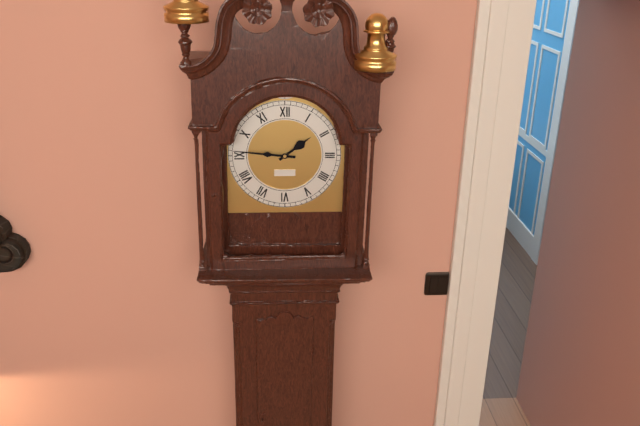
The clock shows {"hour": 1, "minute": 46}
